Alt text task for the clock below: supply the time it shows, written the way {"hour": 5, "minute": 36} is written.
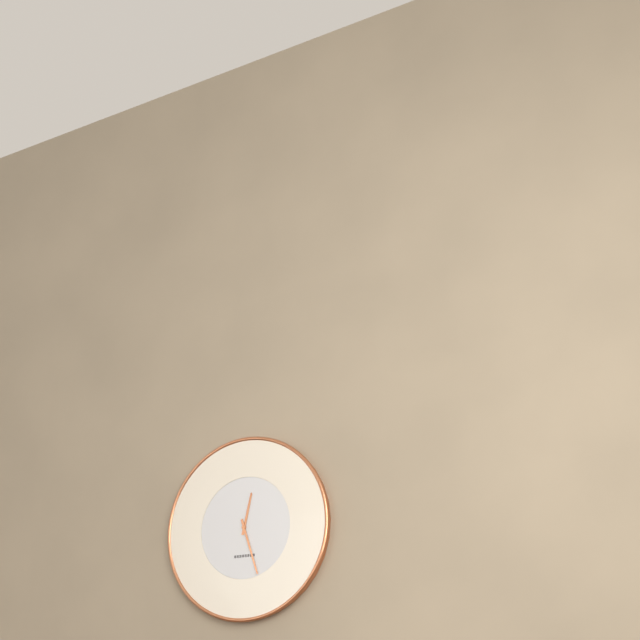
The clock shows {"hour": 12, "minute": 27}
